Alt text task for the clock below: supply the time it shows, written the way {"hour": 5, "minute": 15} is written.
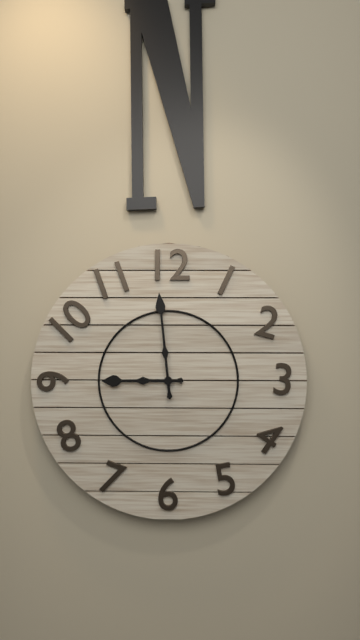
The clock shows {"hour": 8, "minute": 59}
